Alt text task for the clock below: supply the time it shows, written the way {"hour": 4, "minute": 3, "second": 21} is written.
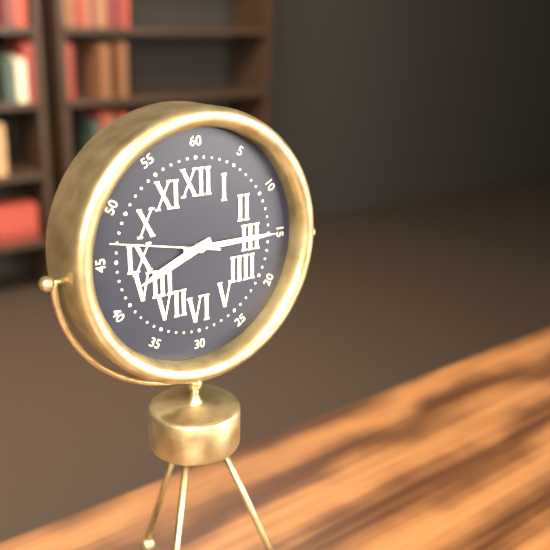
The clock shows {"hour": 8, "minute": 15, "second": 47}
